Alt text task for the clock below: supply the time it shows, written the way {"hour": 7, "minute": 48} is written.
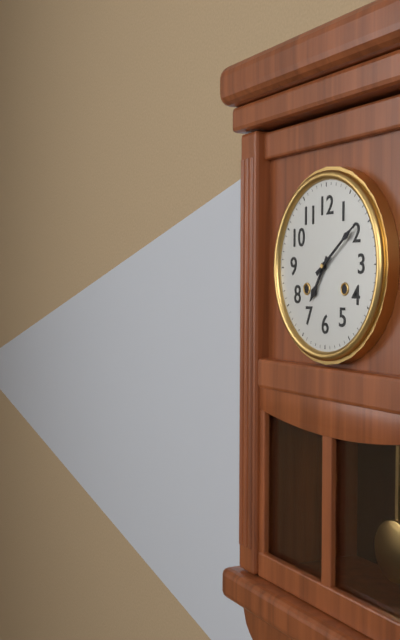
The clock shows {"hour": 7, "minute": 9}
